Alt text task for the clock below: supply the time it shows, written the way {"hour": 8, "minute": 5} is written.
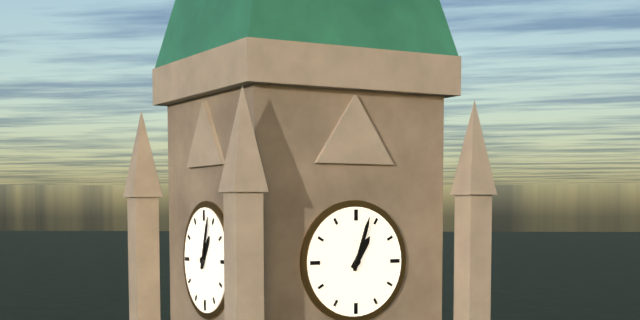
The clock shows {"hour": 1, "minute": 3}
